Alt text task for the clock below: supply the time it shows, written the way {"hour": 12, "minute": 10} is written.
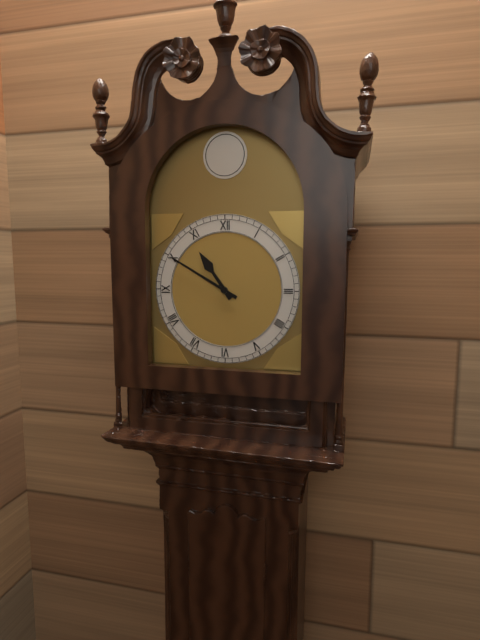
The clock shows {"hour": 10, "minute": 50}
